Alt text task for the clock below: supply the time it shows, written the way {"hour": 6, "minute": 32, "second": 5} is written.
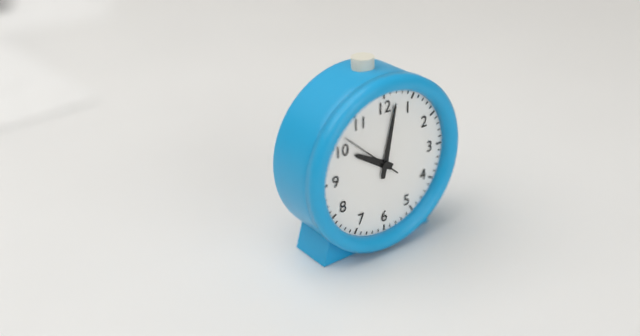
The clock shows {"hour": 10, "minute": 2, "second": 52}
